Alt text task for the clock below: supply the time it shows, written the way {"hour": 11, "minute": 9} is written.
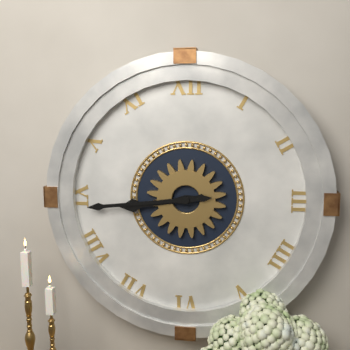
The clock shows {"hour": 8, "minute": 44}
